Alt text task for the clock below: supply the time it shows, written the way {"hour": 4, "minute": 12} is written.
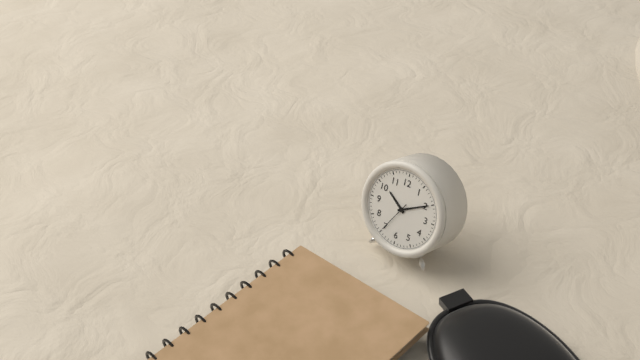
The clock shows {"hour": 10, "minute": 10}
